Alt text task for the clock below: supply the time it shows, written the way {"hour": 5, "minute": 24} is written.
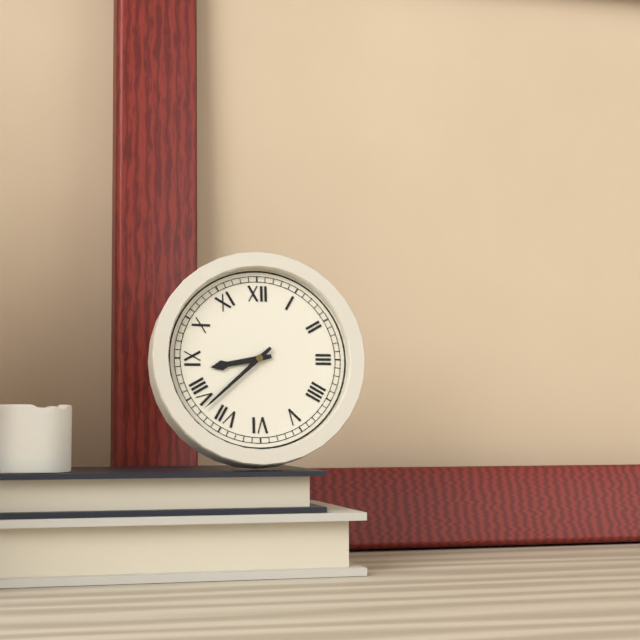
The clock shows {"hour": 8, "minute": 38}
